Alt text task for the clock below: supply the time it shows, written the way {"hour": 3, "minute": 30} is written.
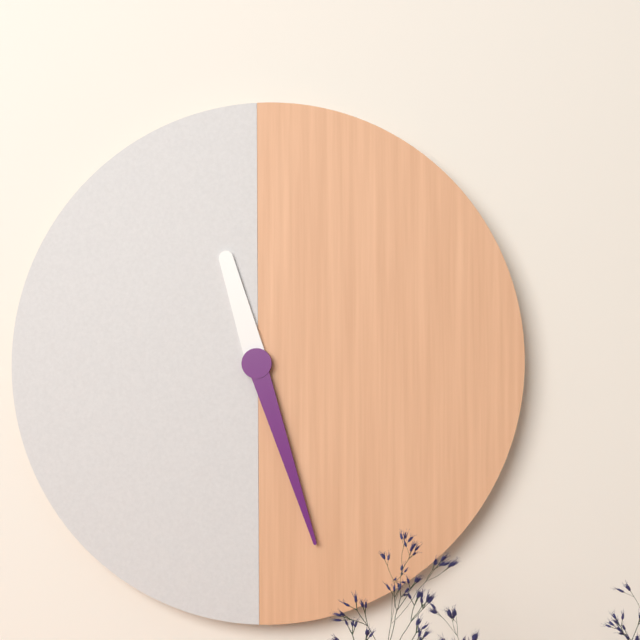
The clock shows {"hour": 11, "minute": 27}
